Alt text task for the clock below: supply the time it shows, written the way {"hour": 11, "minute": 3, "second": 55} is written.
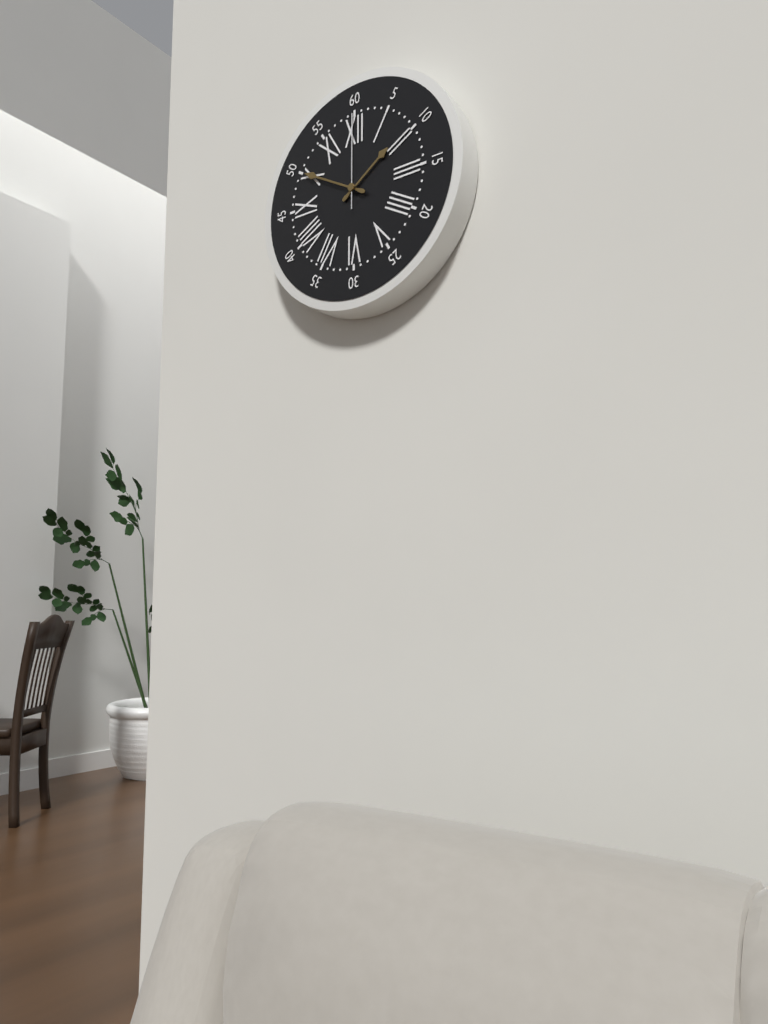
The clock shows {"hour": 1, "minute": 50, "second": 0}
